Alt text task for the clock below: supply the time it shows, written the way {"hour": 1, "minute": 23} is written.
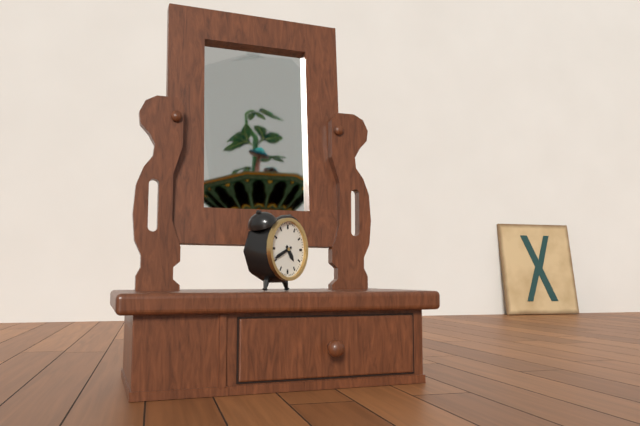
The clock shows {"hour": 4, "minute": 41}
